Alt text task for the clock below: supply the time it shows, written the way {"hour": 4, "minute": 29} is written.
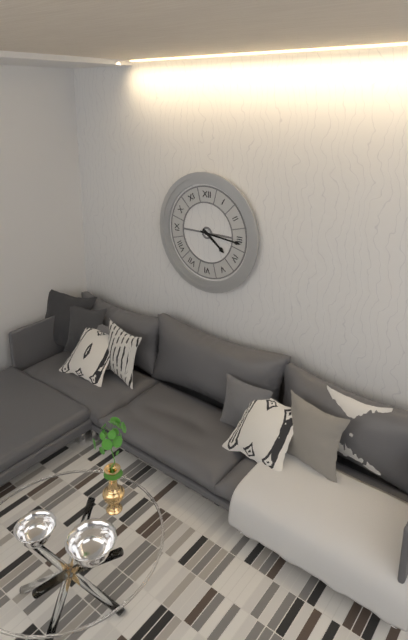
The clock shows {"hour": 4, "minute": 16}
